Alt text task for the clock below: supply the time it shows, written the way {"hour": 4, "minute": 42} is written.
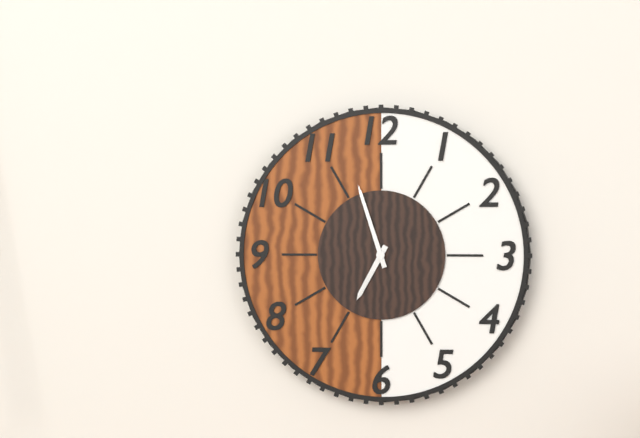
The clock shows {"hour": 6, "minute": 57}
